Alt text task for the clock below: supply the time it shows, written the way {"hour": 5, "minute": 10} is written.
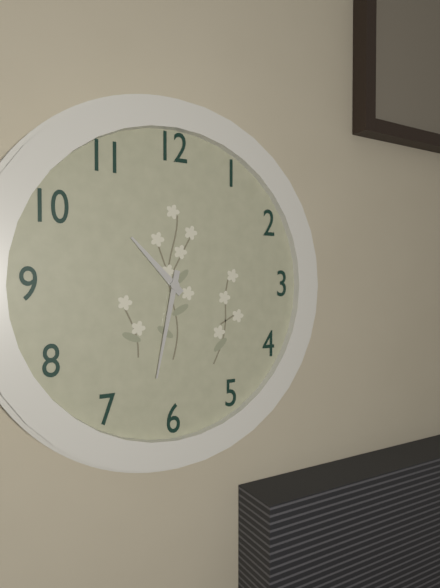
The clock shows {"hour": 10, "minute": 32}
